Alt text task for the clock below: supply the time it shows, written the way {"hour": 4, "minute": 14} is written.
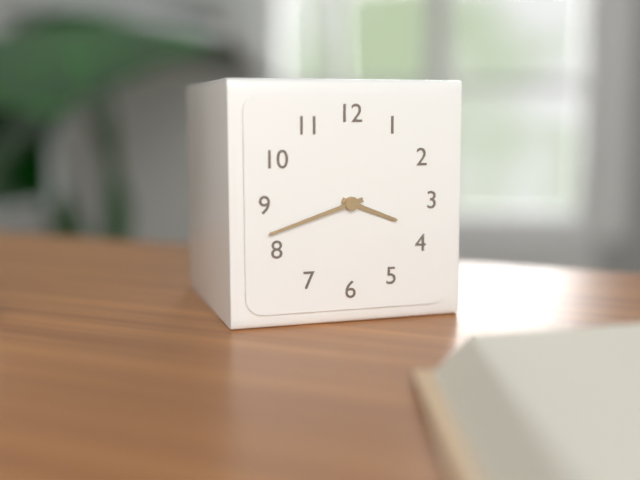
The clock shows {"hour": 3, "minute": 42}
